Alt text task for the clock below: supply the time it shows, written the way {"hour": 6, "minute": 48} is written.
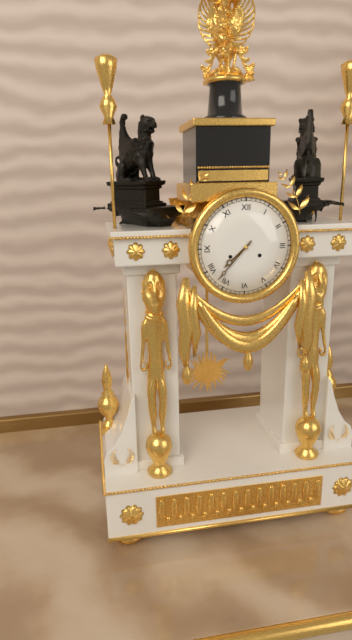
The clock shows {"hour": 7, "minute": 37}
